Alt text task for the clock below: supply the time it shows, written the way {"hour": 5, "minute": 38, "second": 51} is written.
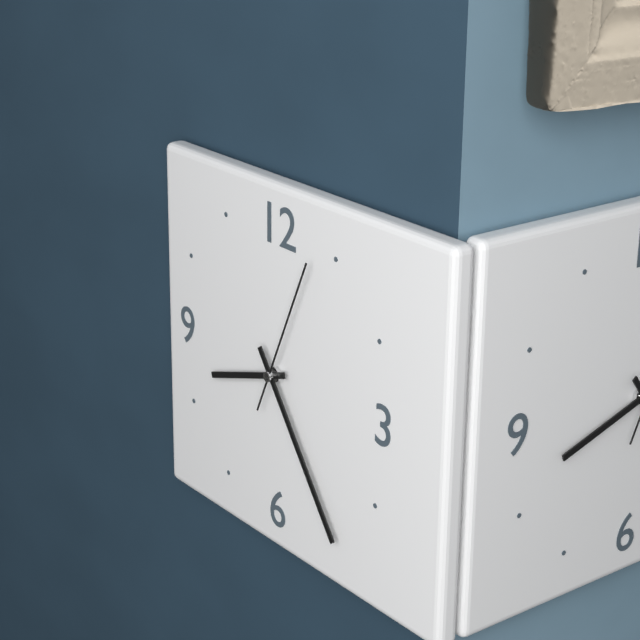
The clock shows {"hour": 8, "minute": 24, "second": 4}
